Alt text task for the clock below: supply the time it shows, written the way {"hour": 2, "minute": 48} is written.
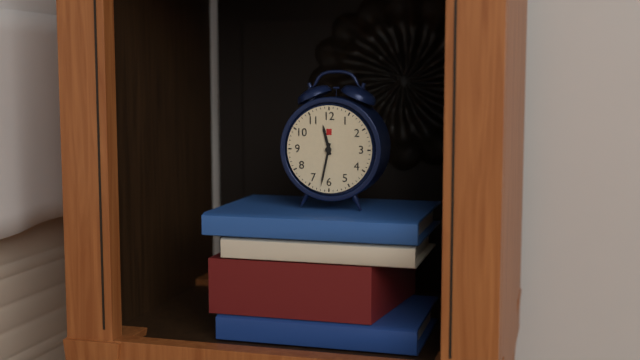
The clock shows {"hour": 11, "minute": 32}
